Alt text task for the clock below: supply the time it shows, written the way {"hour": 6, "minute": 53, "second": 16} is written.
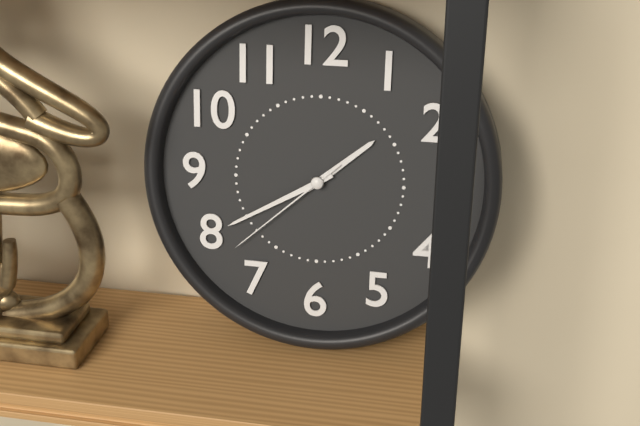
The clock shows {"hour": 1, "minute": 40, "second": 38}
